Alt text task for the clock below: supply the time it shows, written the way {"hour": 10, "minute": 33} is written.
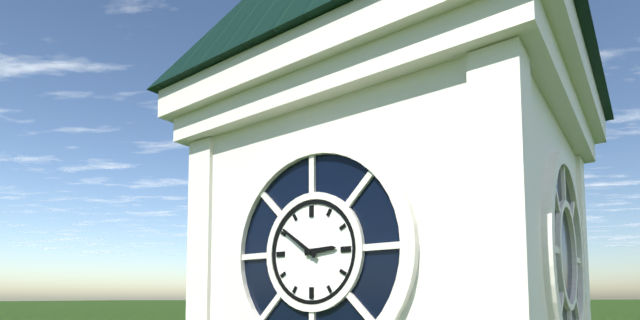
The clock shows {"hour": 2, "minute": 51}
